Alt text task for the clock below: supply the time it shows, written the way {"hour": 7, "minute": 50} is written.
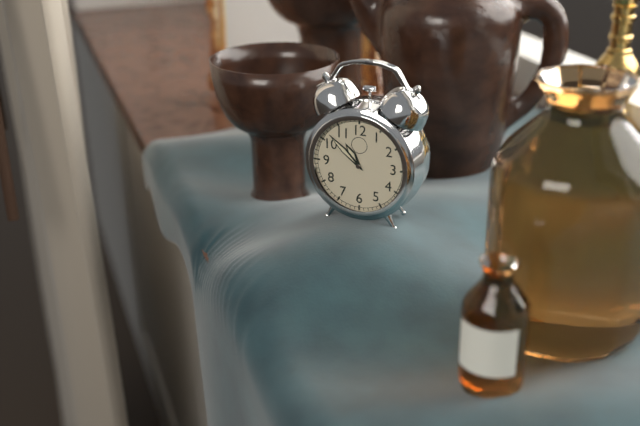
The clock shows {"hour": 10, "minute": 52}
